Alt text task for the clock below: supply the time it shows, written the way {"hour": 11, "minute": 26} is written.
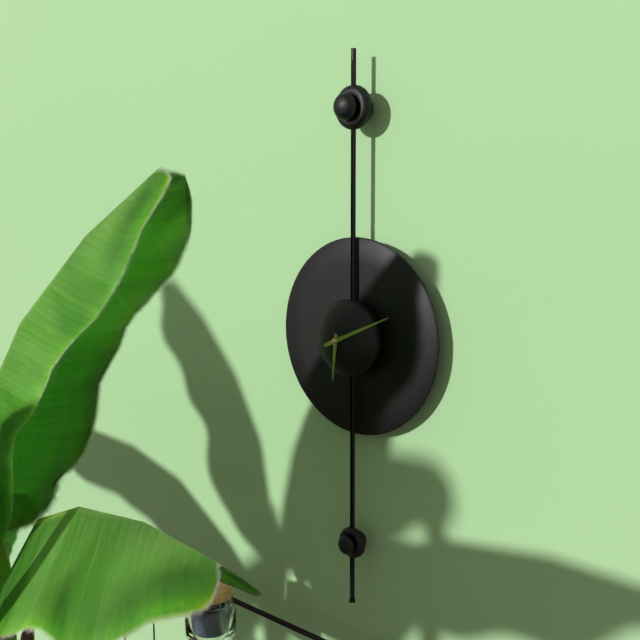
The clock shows {"hour": 6, "minute": 11}
